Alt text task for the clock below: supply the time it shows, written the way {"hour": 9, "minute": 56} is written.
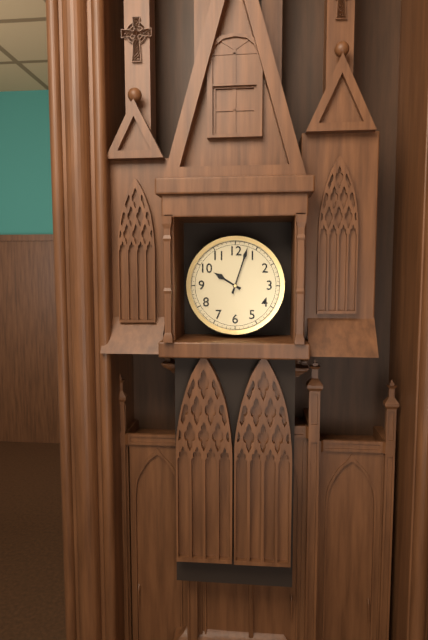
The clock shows {"hour": 10, "minute": 3}
